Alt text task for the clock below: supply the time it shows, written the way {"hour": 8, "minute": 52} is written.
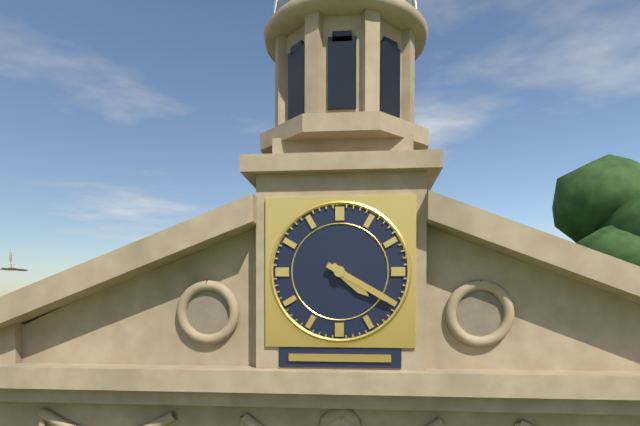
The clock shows {"hour": 4, "minute": 20}
